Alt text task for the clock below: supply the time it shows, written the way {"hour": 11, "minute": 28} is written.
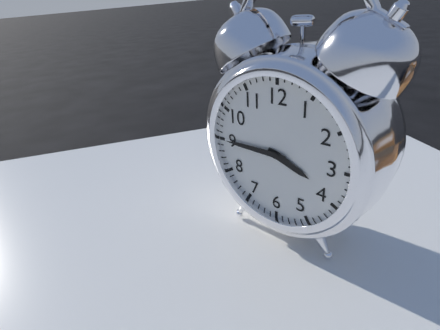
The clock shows {"hour": 3, "minute": 45}
